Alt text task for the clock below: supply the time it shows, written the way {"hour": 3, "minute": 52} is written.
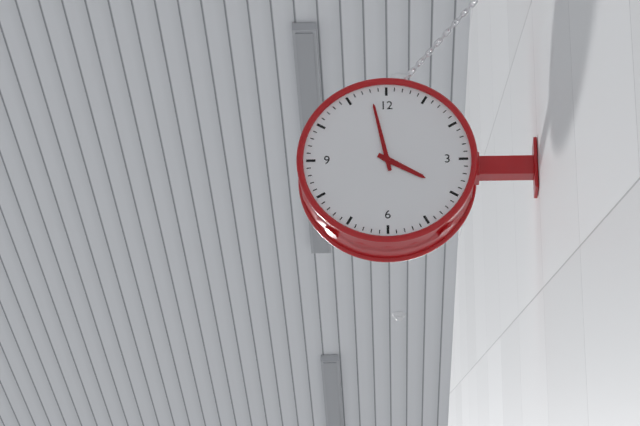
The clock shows {"hour": 3, "minute": 58}
